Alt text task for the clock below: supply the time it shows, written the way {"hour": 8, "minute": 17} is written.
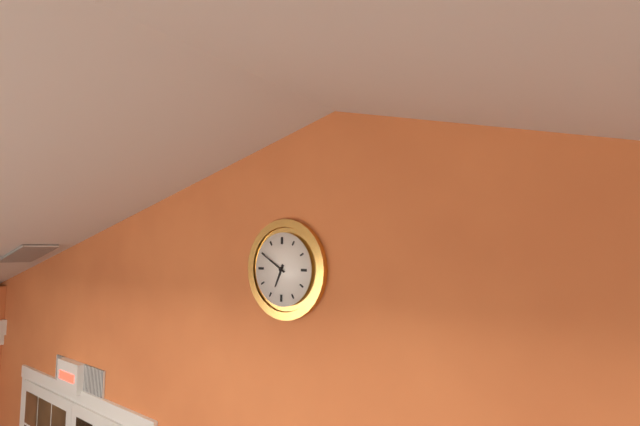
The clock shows {"hour": 6, "minute": 50}
